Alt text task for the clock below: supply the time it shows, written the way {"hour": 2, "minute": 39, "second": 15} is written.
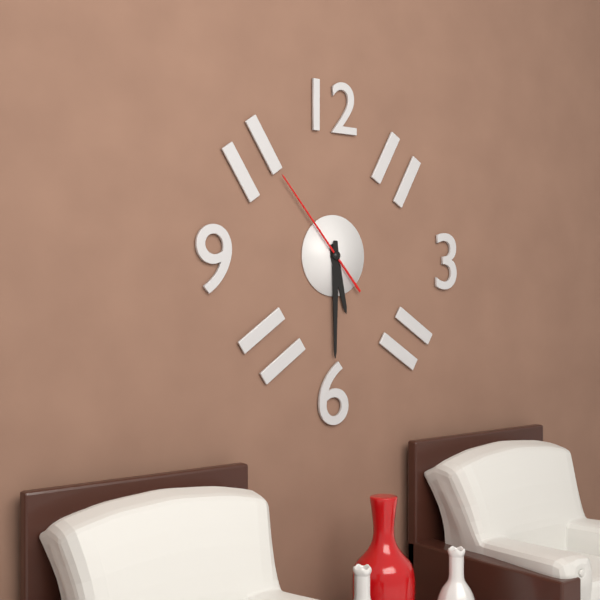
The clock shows {"hour": 5, "minute": 30, "second": 53}
